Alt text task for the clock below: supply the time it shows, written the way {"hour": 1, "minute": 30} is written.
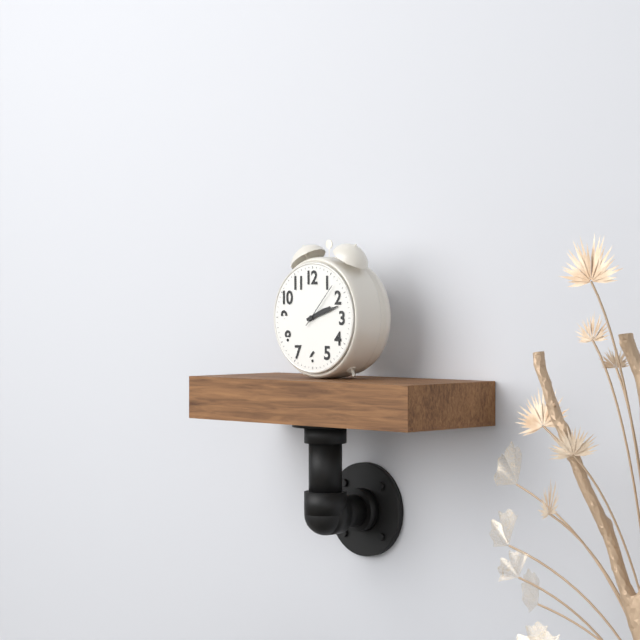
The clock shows {"hour": 2, "minute": 12}
